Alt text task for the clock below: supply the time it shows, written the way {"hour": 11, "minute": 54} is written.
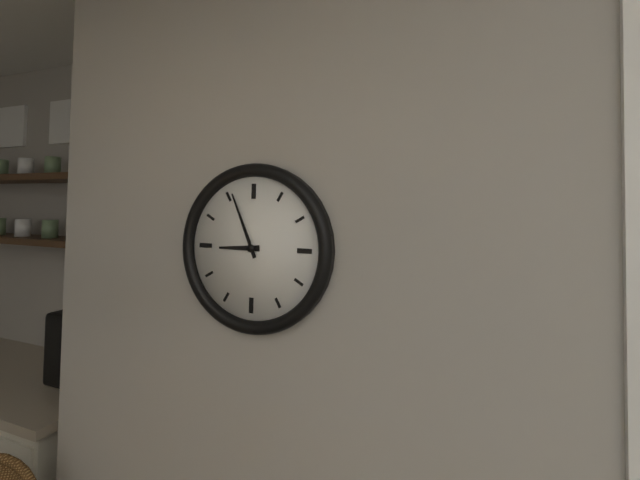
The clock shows {"hour": 8, "minute": 56}
